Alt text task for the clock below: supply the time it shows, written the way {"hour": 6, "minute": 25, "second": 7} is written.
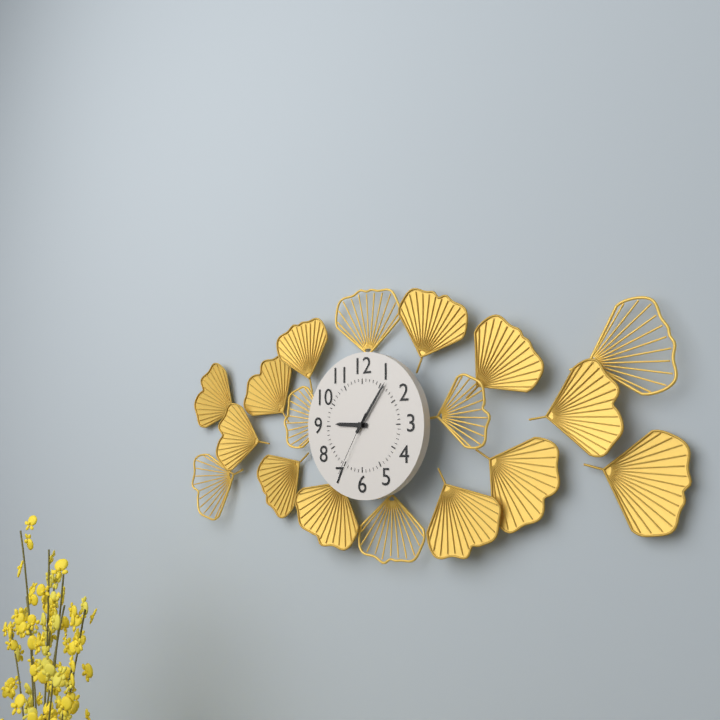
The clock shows {"hour": 9, "minute": 6, "second": 35}
